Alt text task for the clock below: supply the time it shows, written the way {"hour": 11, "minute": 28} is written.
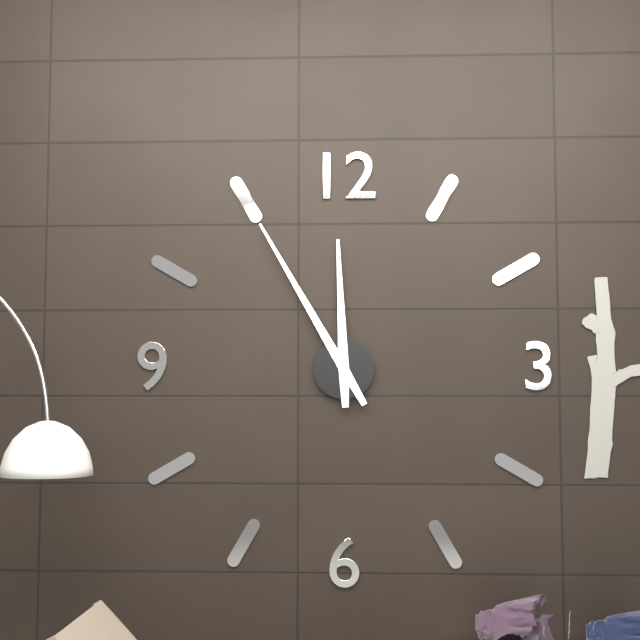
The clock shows {"hour": 11, "minute": 55}
